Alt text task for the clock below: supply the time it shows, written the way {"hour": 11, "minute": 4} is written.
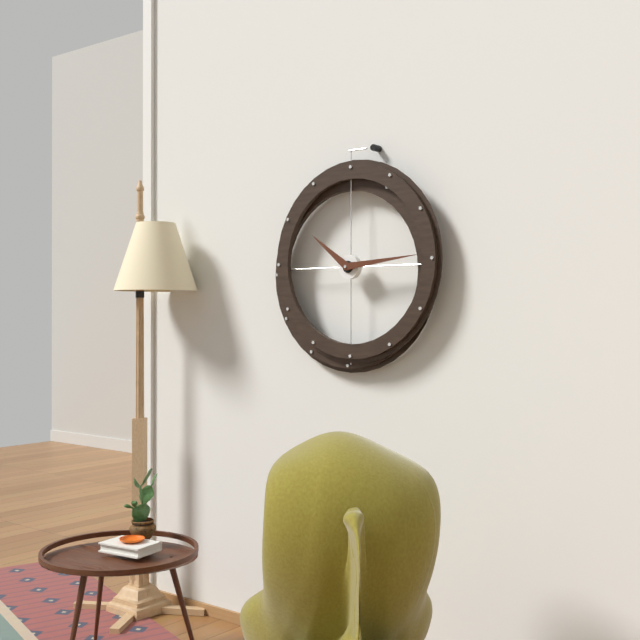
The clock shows {"hour": 10, "minute": 14}
